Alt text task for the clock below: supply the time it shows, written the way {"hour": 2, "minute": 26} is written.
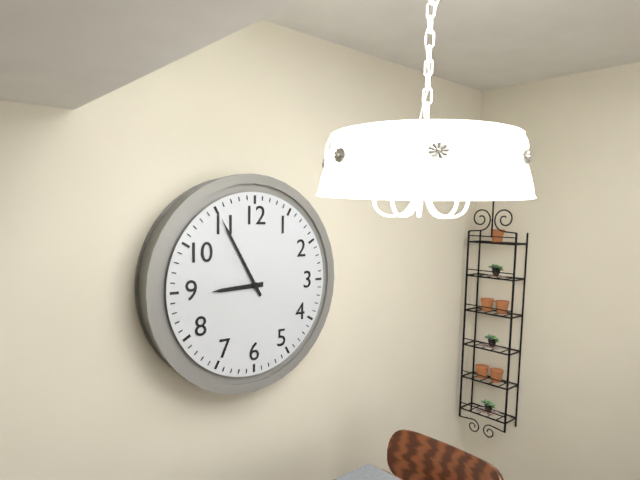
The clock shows {"hour": 8, "minute": 55}
